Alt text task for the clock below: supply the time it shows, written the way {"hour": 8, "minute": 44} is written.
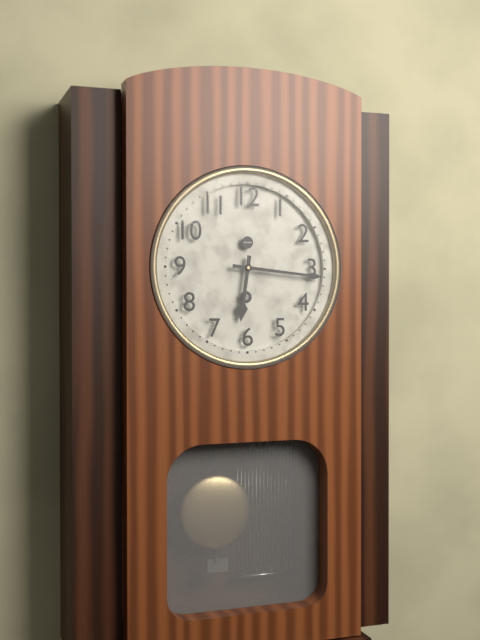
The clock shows {"hour": 6, "minute": 16}
